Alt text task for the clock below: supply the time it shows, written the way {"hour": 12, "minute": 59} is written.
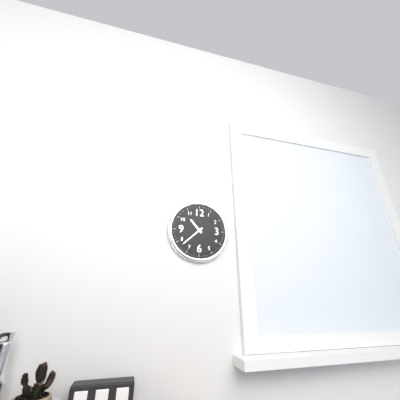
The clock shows {"hour": 10, "minute": 38}
